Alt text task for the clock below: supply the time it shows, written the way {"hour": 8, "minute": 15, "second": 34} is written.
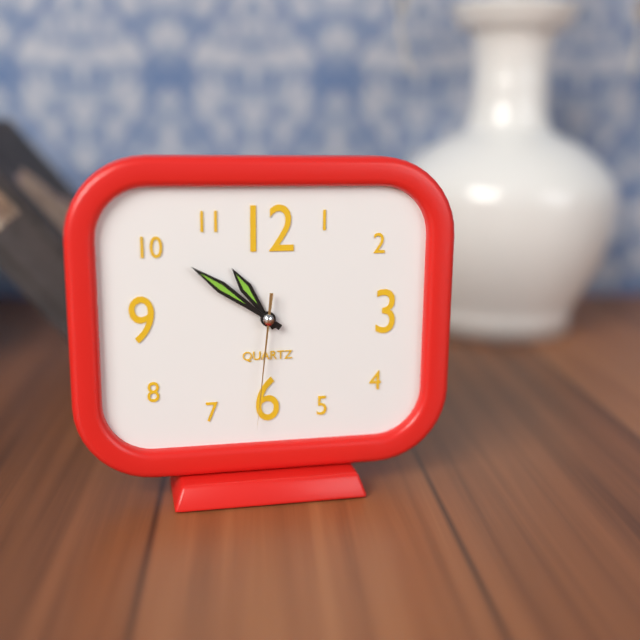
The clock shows {"hour": 10, "minute": 51, "second": 31}
